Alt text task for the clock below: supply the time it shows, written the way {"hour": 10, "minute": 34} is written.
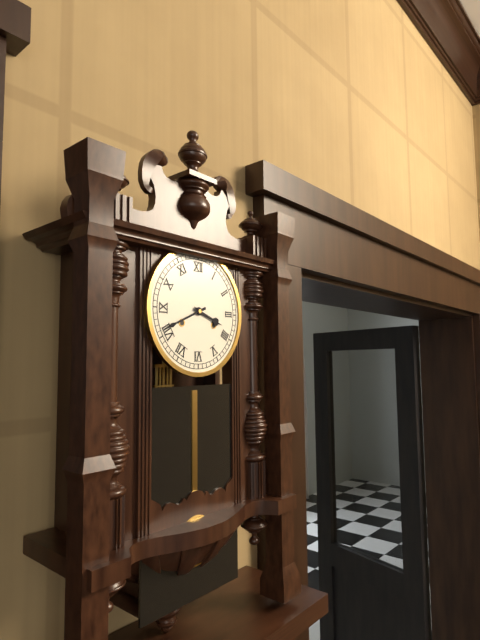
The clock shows {"hour": 3, "minute": 41}
